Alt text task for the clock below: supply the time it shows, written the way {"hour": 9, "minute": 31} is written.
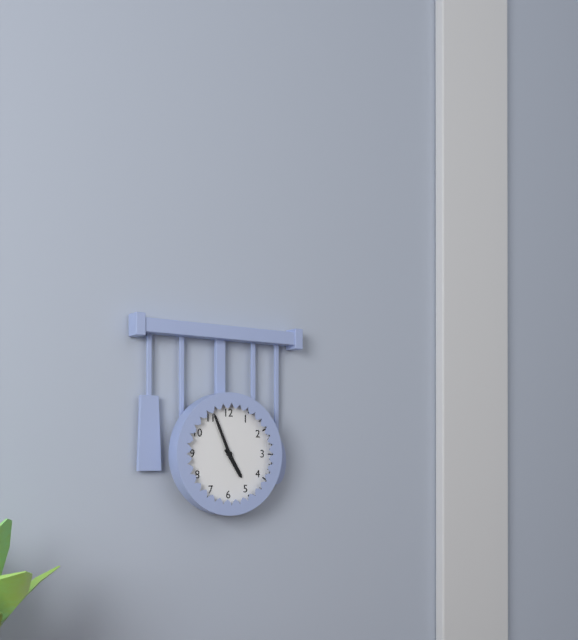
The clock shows {"hour": 4, "minute": 56}
